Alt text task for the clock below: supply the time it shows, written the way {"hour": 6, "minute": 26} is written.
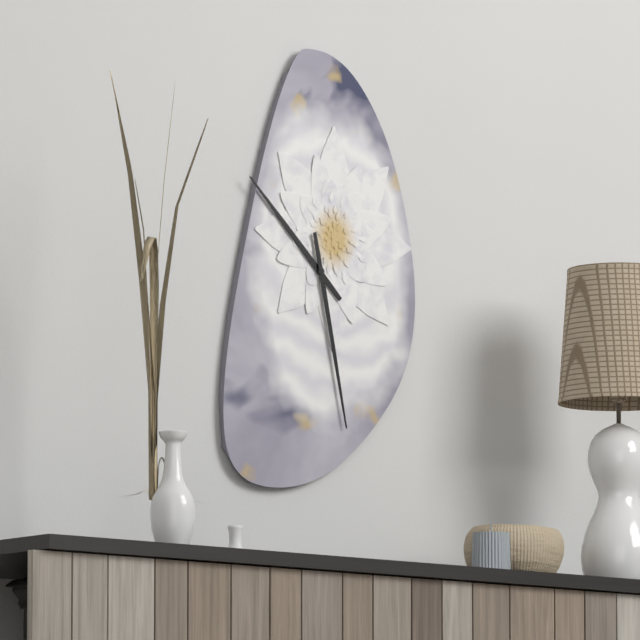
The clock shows {"hour": 10, "minute": 28}
